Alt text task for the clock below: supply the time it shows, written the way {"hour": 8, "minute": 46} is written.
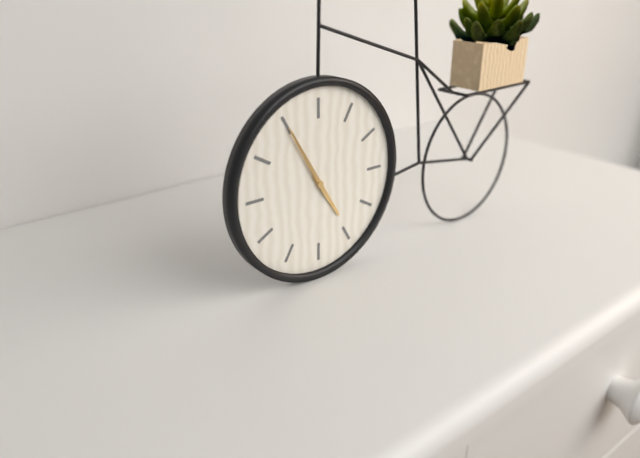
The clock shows {"hour": 4, "minute": 55}
